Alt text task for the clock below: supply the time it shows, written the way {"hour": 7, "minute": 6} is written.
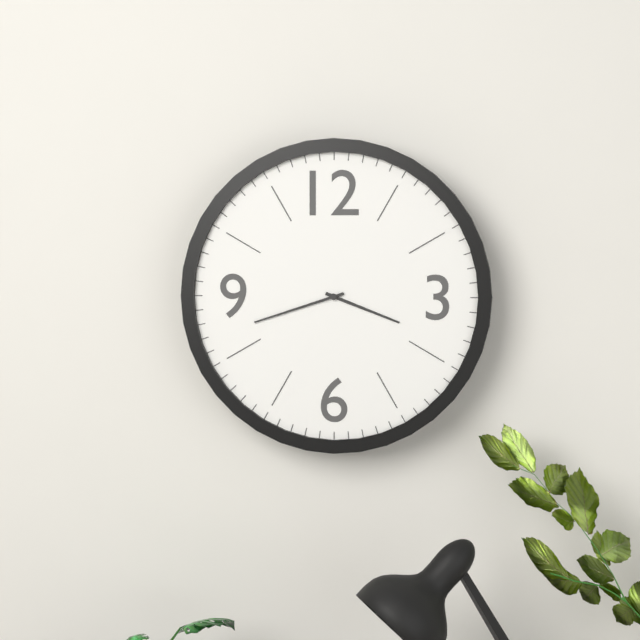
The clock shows {"hour": 3, "minute": 42}
